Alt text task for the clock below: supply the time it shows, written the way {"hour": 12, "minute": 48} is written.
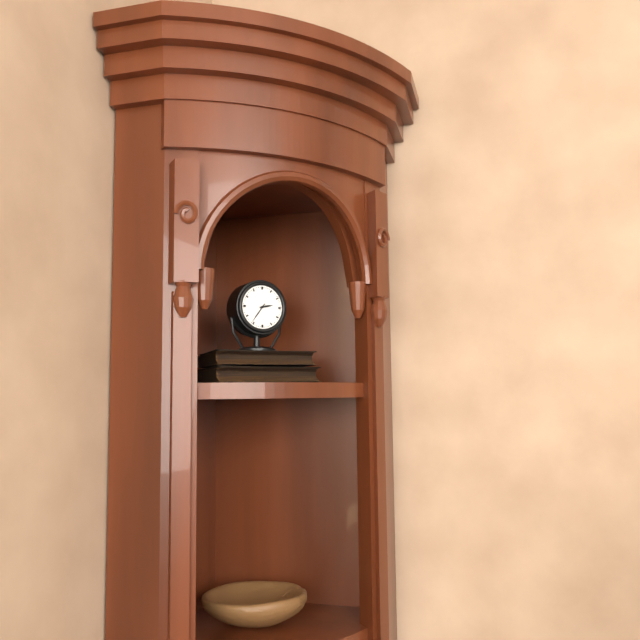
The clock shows {"hour": 2, "minute": 36}
